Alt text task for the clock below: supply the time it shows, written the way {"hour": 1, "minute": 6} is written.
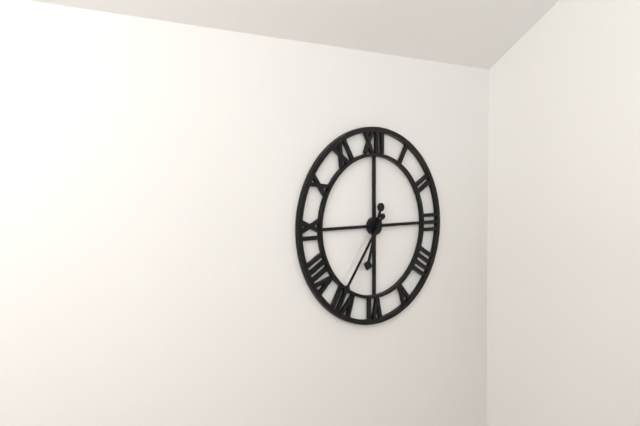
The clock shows {"hour": 6, "minute": 36}
